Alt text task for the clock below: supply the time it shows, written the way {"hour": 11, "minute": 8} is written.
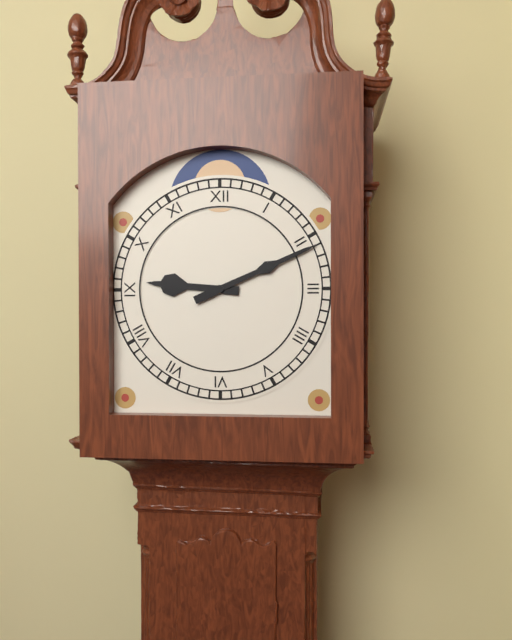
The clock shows {"hour": 9, "minute": 11}
